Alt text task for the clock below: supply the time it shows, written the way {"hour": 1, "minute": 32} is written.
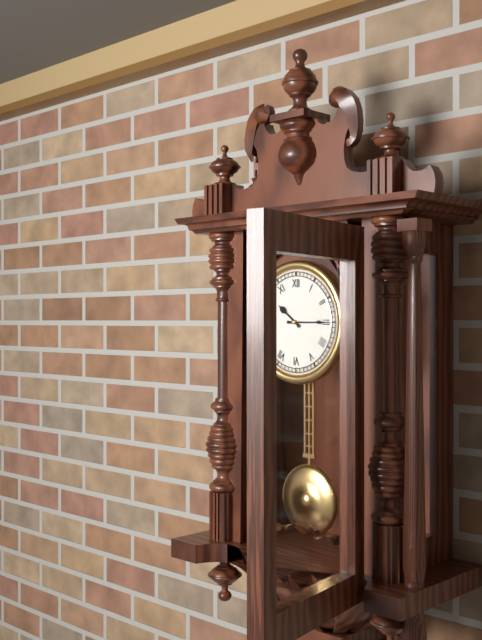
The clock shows {"hour": 10, "minute": 15}
